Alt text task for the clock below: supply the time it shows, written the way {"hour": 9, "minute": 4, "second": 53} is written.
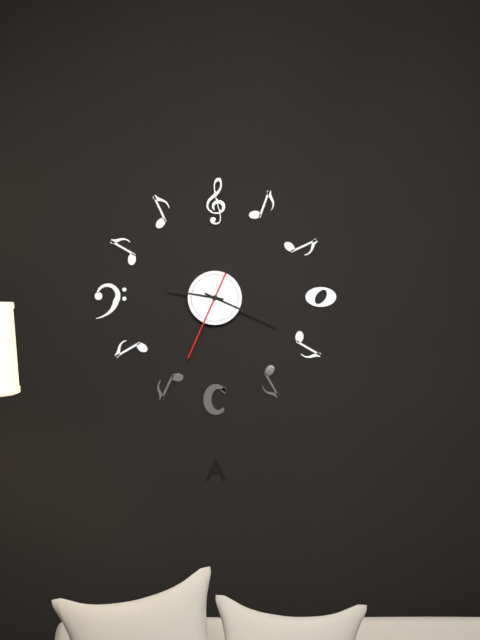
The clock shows {"hour": 9, "minute": 19, "second": 34}
